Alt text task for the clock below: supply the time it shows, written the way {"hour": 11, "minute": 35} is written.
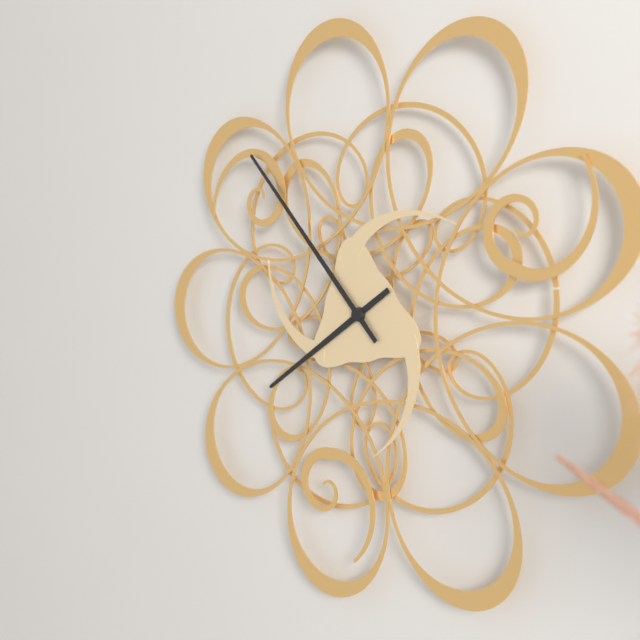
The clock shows {"hour": 7, "minute": 53}
